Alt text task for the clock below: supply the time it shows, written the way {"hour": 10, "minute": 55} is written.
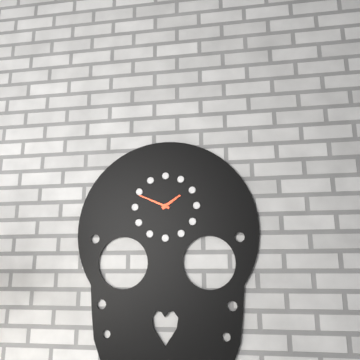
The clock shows {"hour": 1, "minute": 49}
